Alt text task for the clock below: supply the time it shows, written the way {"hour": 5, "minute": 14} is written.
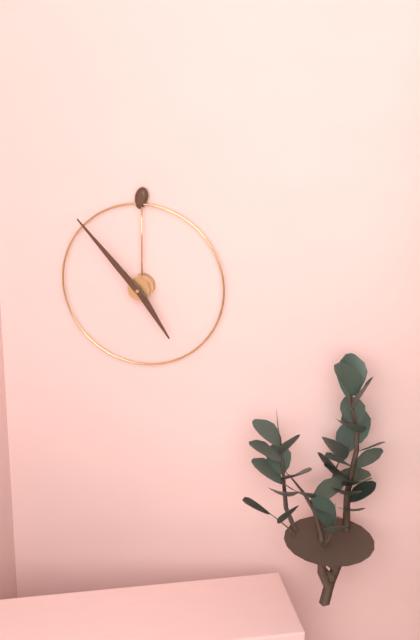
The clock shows {"hour": 4, "minute": 53}
